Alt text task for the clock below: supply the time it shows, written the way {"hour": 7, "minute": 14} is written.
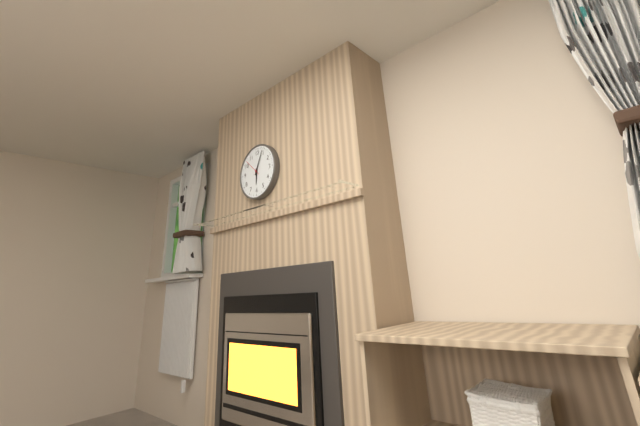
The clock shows {"hour": 6, "minute": 4}
